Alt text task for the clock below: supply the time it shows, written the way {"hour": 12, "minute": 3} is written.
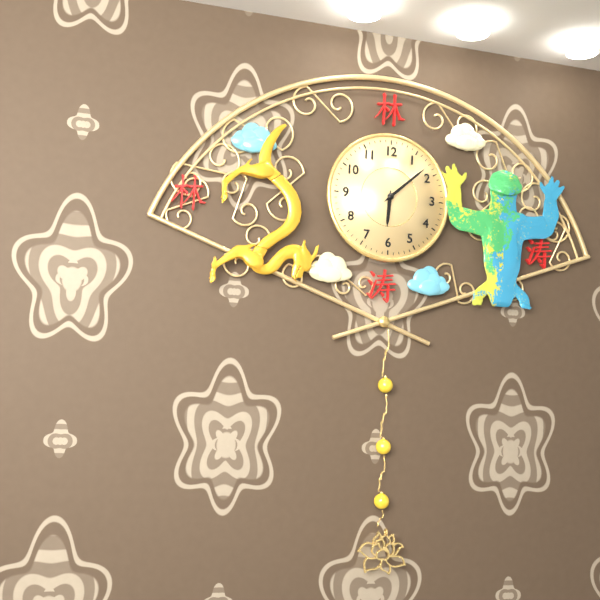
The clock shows {"hour": 6, "minute": 8}
